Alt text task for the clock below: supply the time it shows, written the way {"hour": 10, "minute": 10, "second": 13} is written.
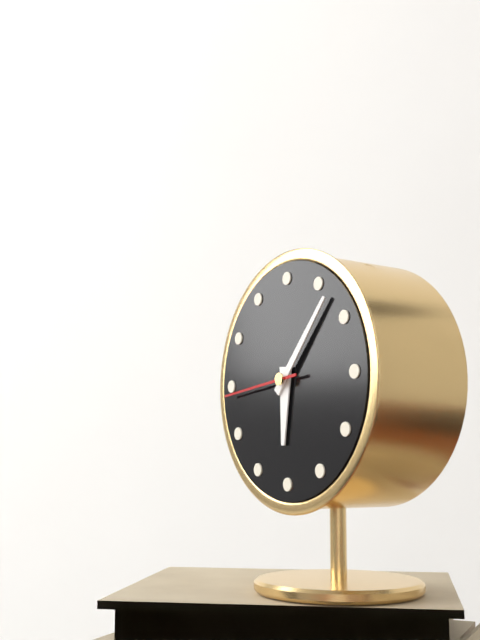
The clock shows {"hour": 6, "minute": 7, "second": 44}
